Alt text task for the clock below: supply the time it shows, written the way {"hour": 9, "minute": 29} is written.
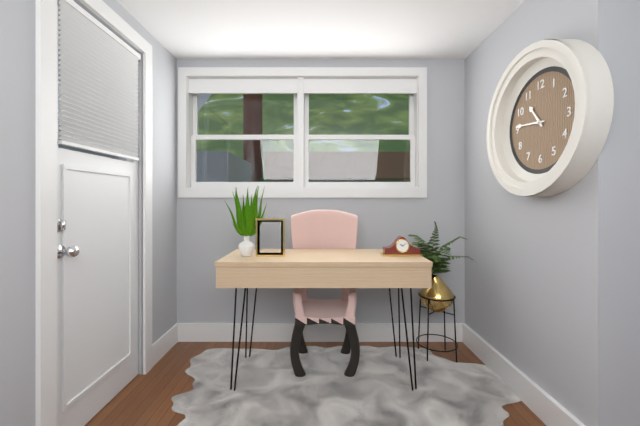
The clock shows {"hour": 10, "minute": 46}
